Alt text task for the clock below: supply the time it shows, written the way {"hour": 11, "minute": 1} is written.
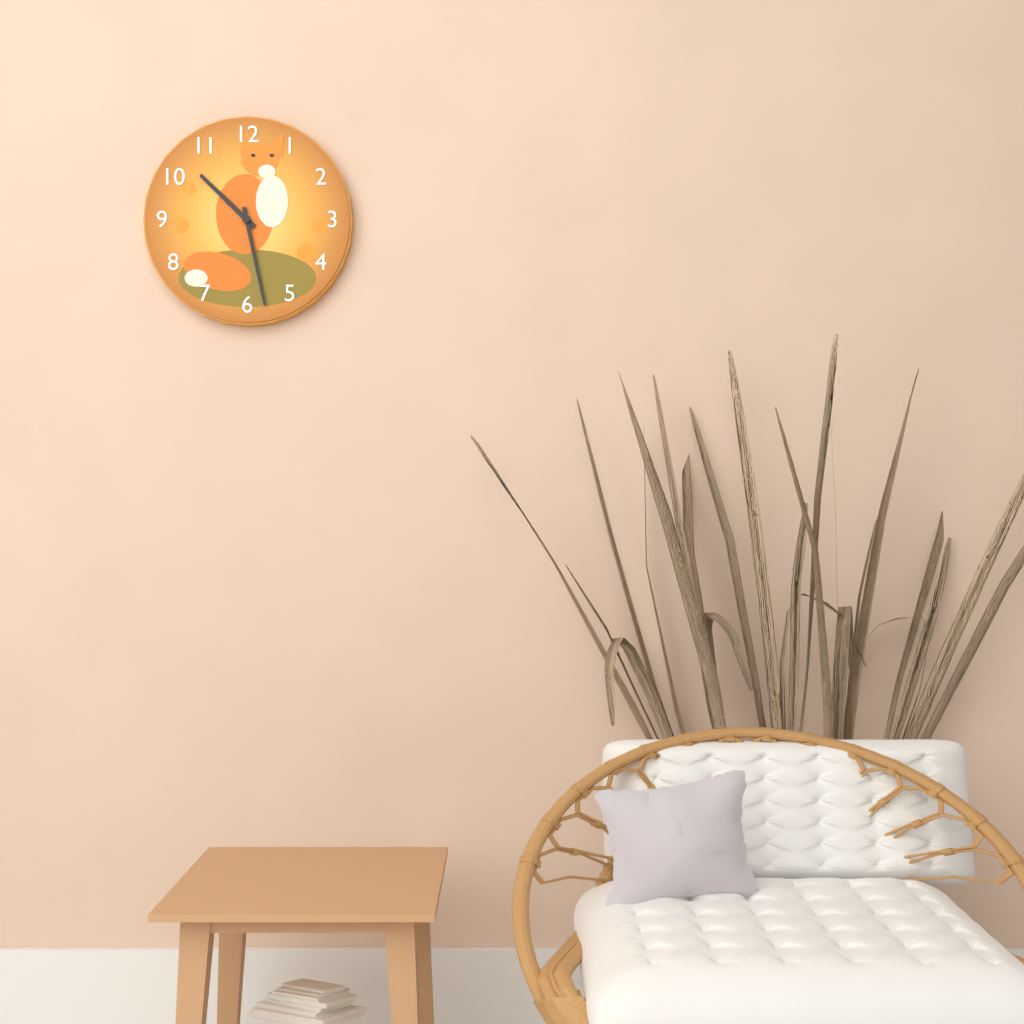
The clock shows {"hour": 10, "minute": 28}
